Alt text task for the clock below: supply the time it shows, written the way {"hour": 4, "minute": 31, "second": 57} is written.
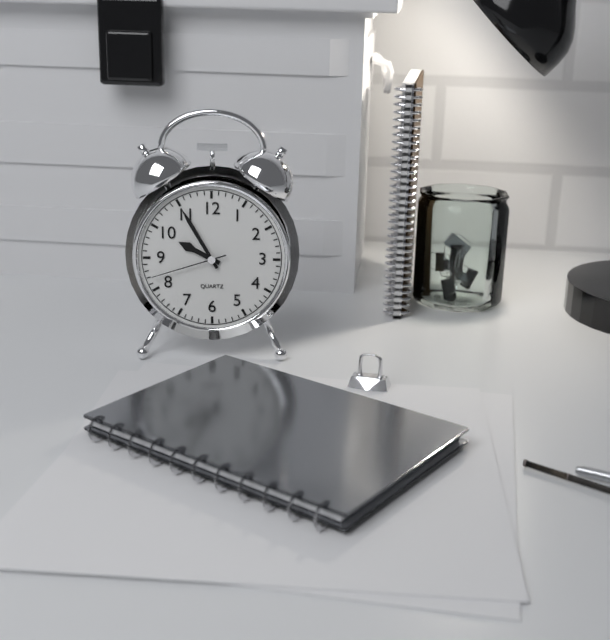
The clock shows {"hour": 9, "minute": 55, "second": 42}
